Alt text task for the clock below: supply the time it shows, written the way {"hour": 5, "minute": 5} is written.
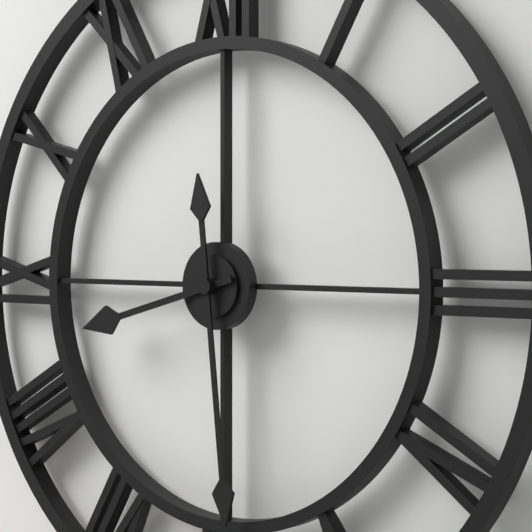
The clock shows {"hour": 8, "minute": 29}
